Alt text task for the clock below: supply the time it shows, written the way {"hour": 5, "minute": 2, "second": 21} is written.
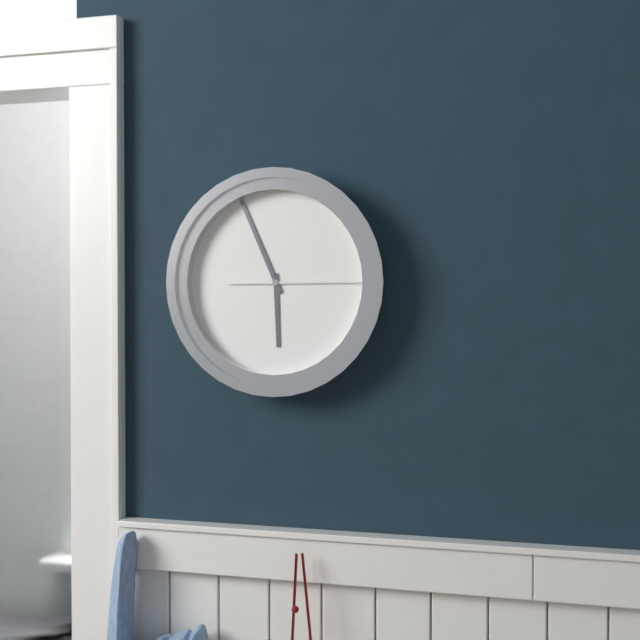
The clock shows {"hour": 5, "minute": 56, "second": 15}
